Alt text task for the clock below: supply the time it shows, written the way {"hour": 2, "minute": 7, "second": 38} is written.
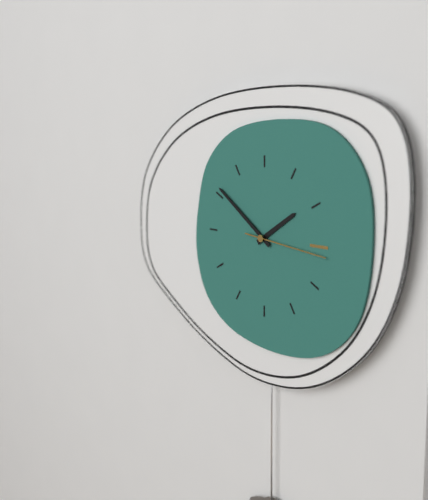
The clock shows {"hour": 1, "minute": 51, "second": 16}
